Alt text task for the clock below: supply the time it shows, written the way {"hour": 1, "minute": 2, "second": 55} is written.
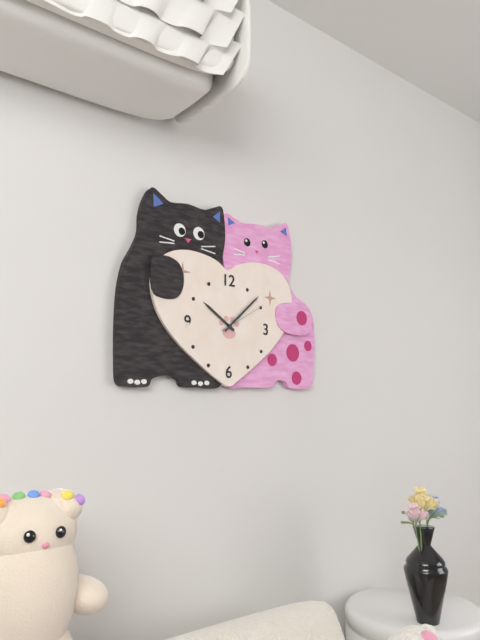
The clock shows {"hour": 10, "minute": 8, "second": 10}
